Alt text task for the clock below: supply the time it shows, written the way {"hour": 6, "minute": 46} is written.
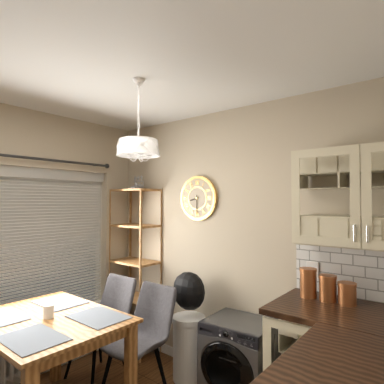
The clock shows {"hour": 8, "minute": 30}
